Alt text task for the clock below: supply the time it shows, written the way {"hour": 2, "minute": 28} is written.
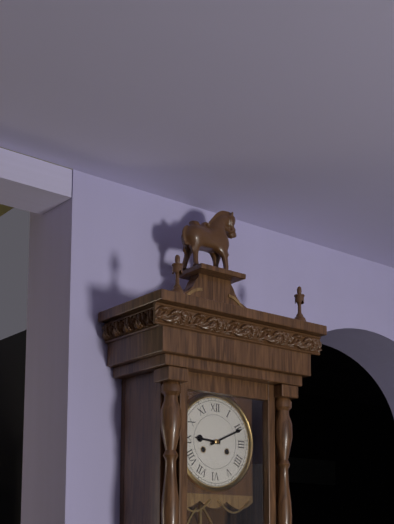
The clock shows {"hour": 9, "minute": 11}
